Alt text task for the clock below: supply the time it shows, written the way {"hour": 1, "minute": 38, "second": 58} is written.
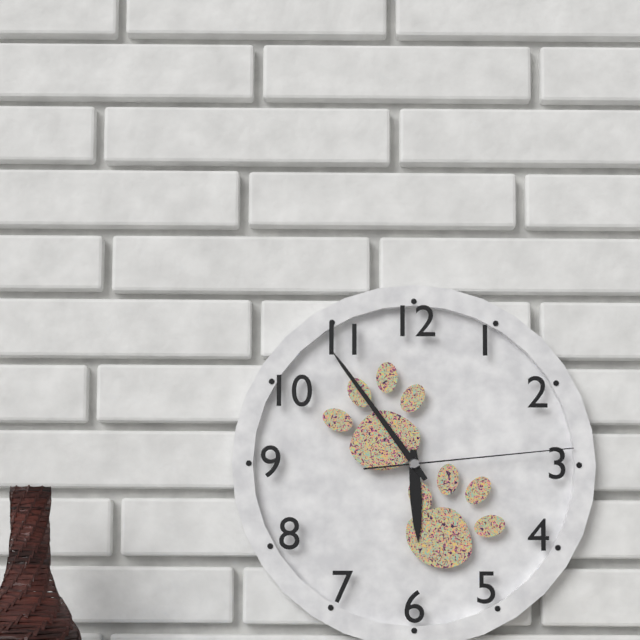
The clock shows {"hour": 5, "minute": 54, "second": 14}
